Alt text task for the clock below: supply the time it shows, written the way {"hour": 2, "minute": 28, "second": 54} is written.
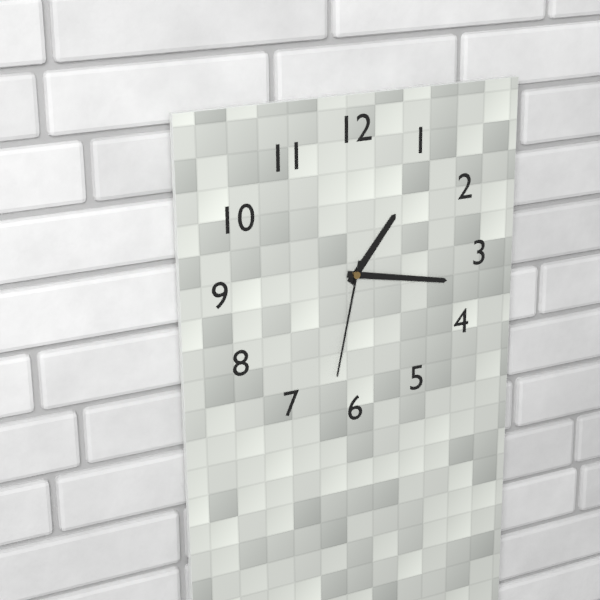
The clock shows {"hour": 1, "minute": 17, "second": 32}
